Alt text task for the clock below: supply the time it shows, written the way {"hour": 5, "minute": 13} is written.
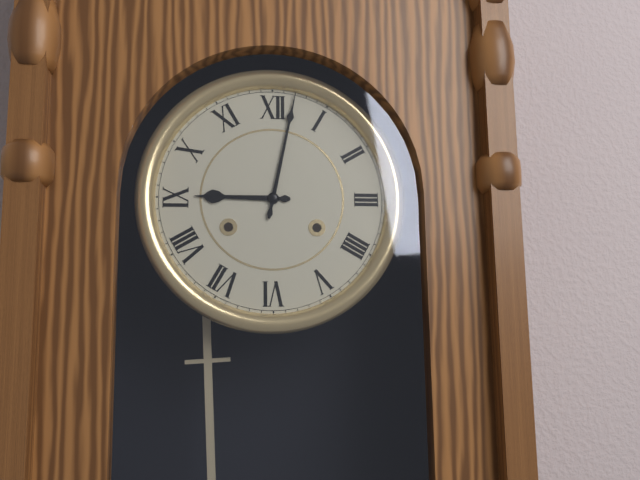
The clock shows {"hour": 9, "minute": 2}
